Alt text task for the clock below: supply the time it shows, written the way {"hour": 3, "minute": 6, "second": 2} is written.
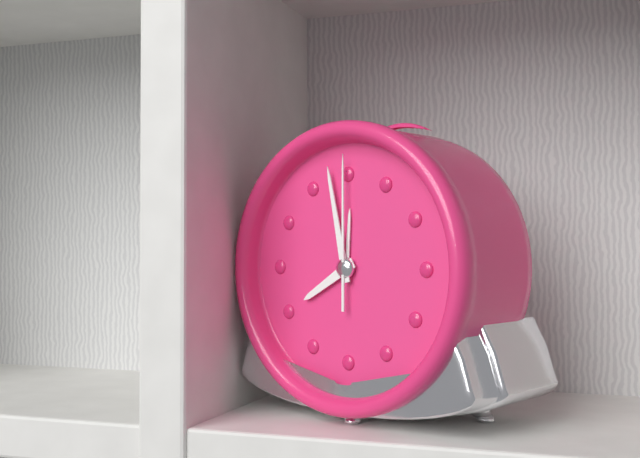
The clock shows {"hour": 7, "minute": 58, "second": 0}
